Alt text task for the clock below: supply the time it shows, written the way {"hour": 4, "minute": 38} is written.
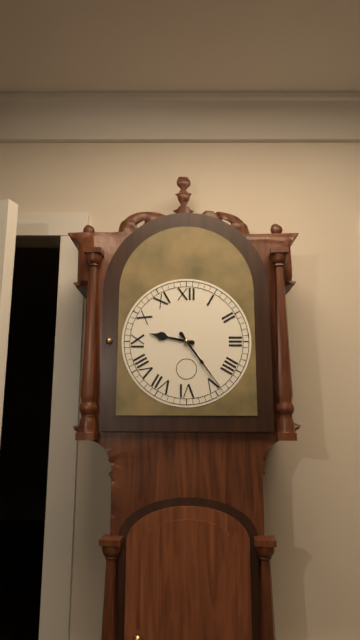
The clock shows {"hour": 9, "minute": 24}
